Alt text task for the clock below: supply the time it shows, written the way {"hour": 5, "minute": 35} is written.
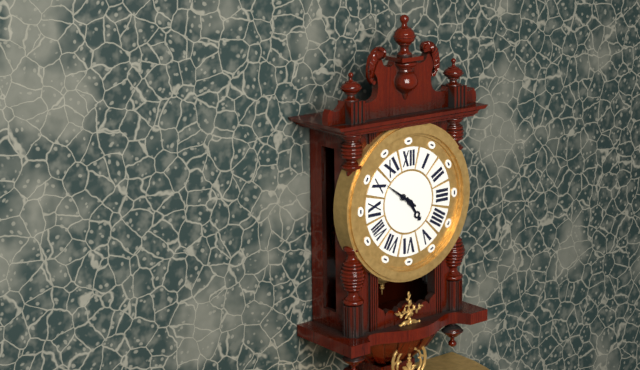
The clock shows {"hour": 4, "minute": 51}
